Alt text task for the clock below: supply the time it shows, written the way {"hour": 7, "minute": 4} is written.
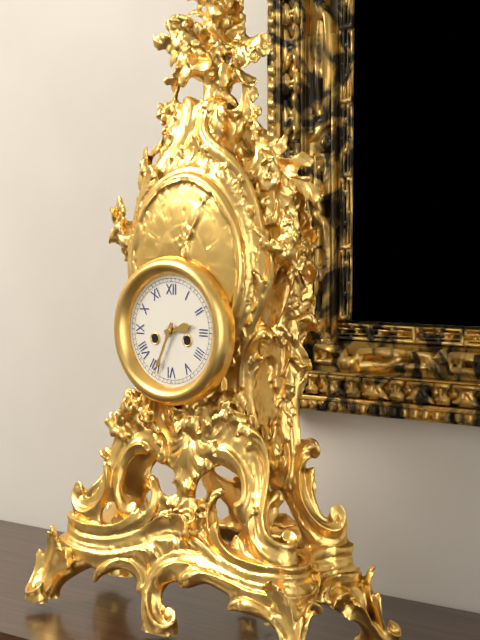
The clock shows {"hour": 2, "minute": 34}
